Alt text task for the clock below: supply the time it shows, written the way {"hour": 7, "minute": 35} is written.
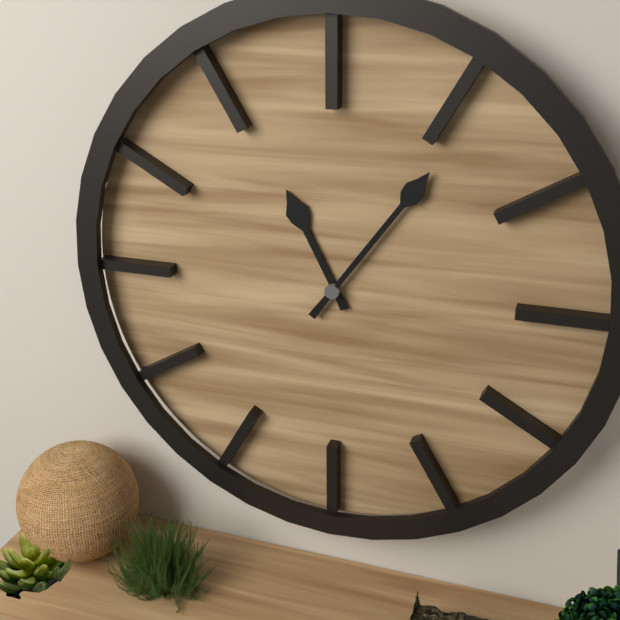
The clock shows {"hour": 11, "minute": 6}
